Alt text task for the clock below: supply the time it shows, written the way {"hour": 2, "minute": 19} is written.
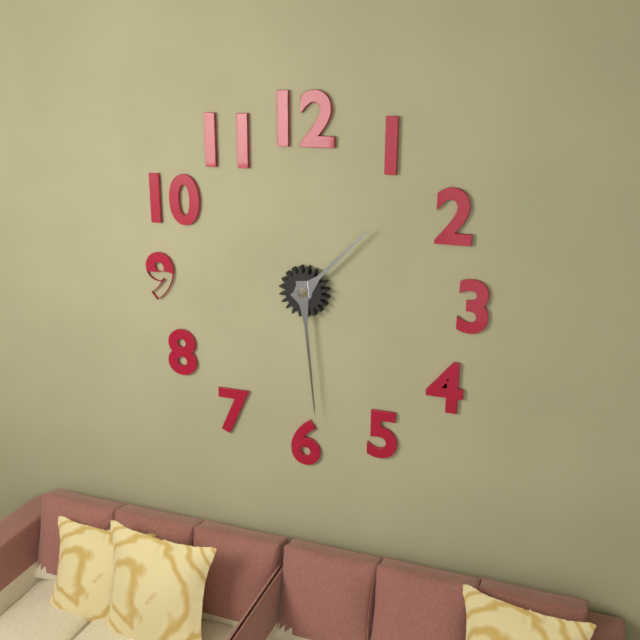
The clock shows {"hour": 1, "minute": 29}
